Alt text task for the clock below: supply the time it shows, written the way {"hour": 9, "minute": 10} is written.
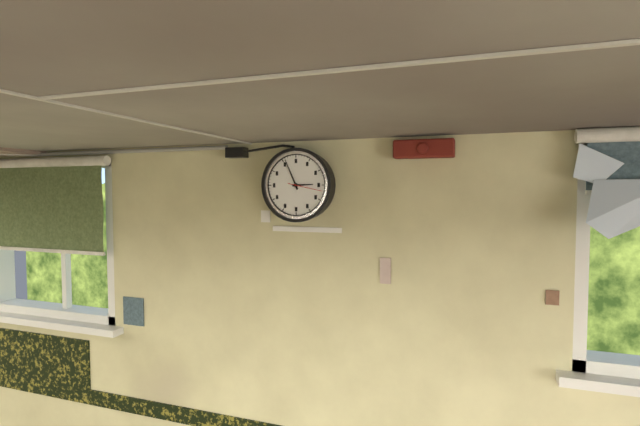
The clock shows {"hour": 2, "minute": 56}
